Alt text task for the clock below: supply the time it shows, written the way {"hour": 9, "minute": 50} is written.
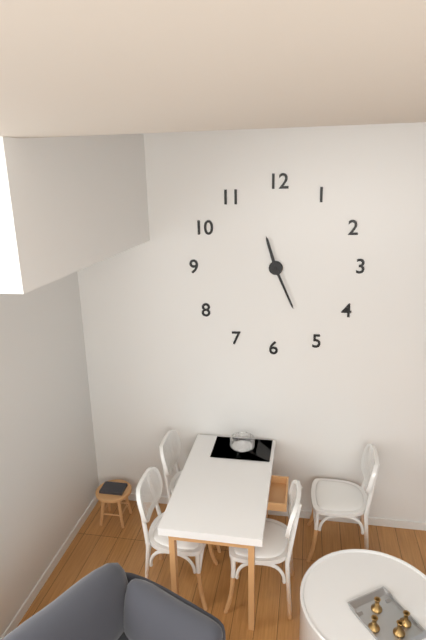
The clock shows {"hour": 11, "minute": 26}
